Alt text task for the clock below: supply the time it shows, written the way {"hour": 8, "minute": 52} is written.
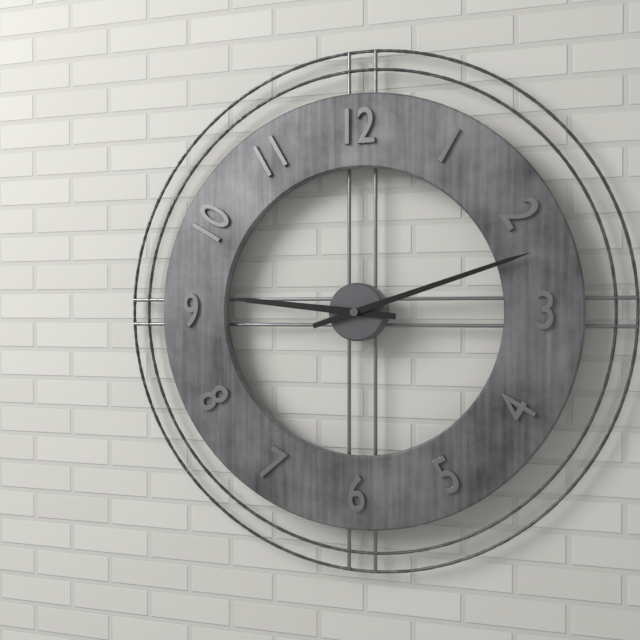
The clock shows {"hour": 9, "minute": 12}
